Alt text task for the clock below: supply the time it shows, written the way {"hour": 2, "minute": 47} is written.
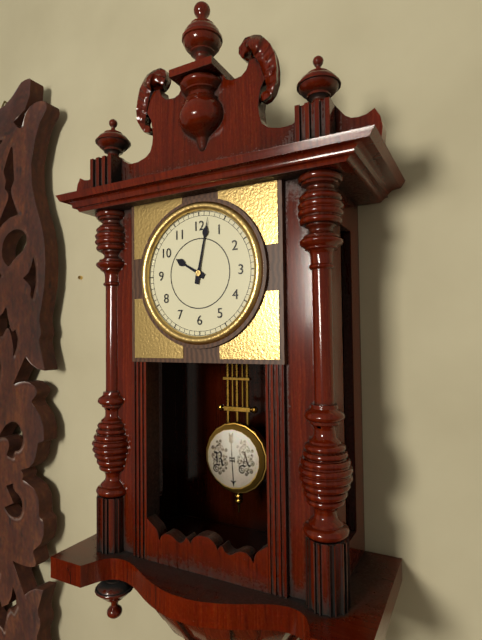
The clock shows {"hour": 10, "minute": 2}
